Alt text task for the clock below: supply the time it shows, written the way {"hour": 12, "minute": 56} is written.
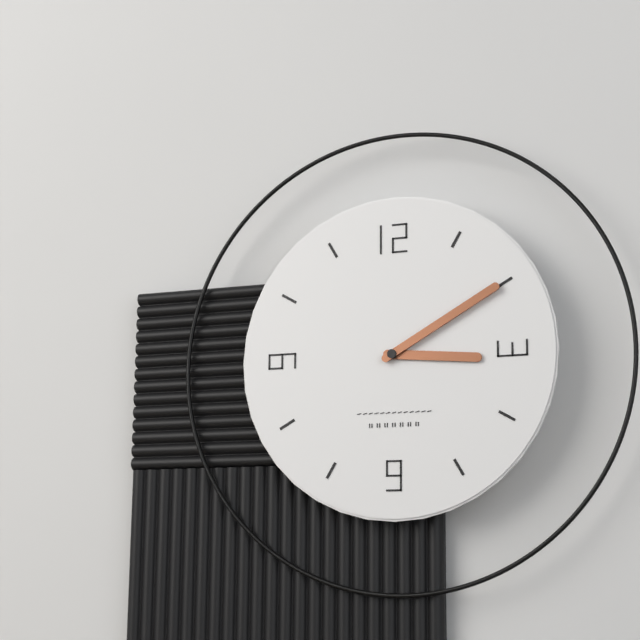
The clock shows {"hour": 3, "minute": 10}
